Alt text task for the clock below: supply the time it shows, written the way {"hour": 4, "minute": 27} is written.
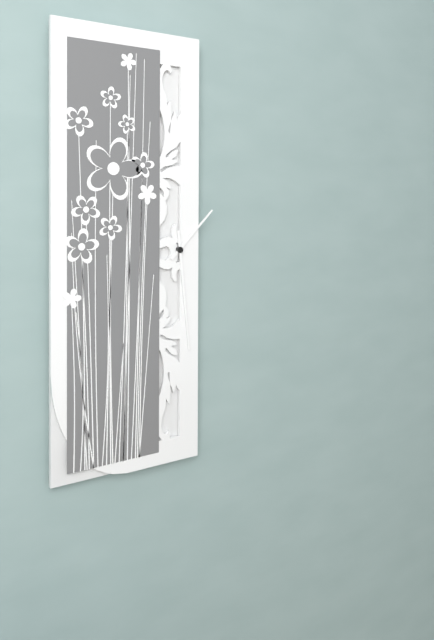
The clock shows {"hour": 1, "minute": 29}
